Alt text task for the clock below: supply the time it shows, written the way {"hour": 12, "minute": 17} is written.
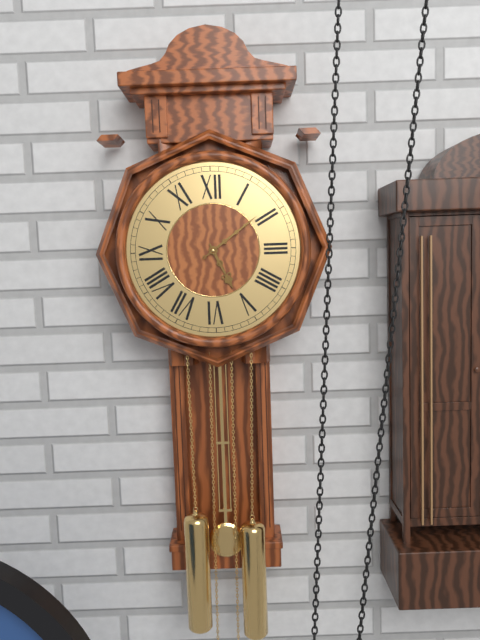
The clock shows {"hour": 5, "minute": 9}
